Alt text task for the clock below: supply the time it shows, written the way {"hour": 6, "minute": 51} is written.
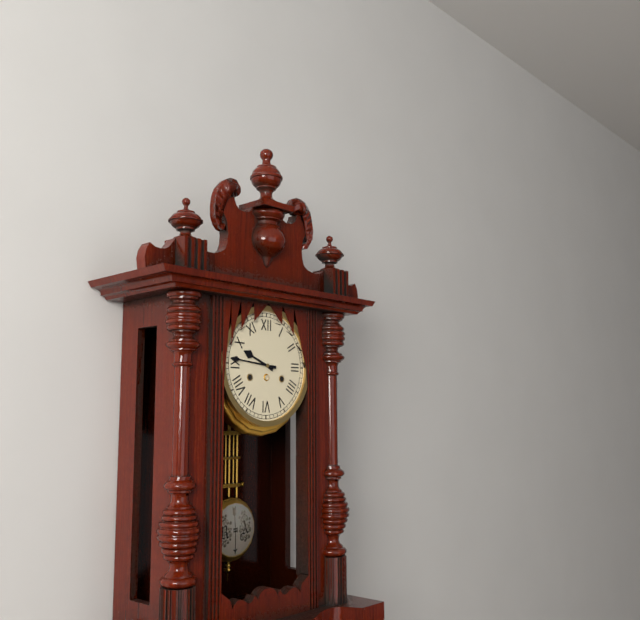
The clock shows {"hour": 9, "minute": 46}
